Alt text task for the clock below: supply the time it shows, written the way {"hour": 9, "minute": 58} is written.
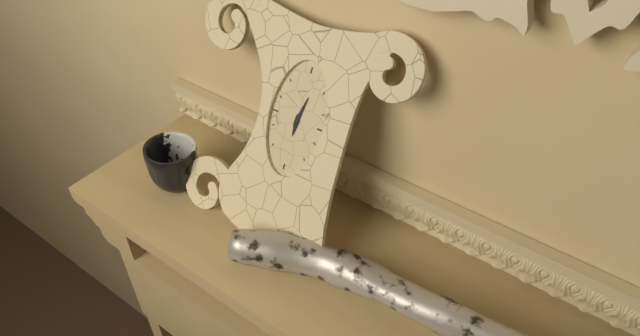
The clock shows {"hour": 6, "minute": 2}
